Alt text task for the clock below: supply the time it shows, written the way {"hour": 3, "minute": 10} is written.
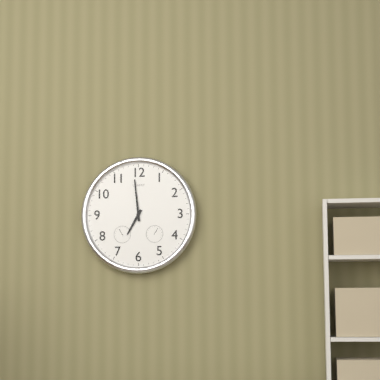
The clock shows {"hour": 6, "minute": 59}
